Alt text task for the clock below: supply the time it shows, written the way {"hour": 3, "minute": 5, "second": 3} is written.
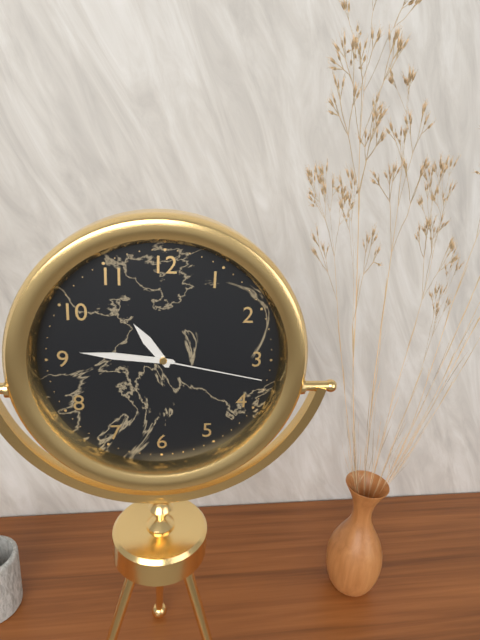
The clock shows {"hour": 10, "minute": 46, "second": 17}
